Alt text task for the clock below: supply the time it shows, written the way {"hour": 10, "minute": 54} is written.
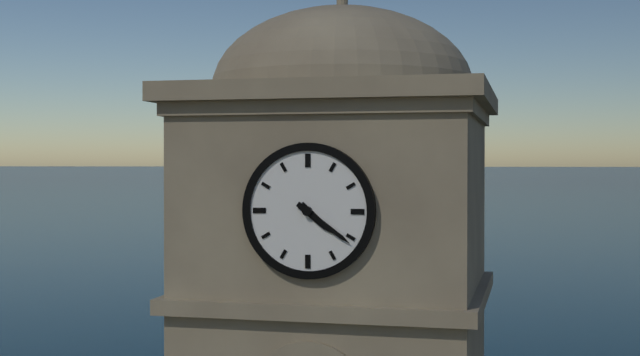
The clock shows {"hour": 4, "minute": 21}
